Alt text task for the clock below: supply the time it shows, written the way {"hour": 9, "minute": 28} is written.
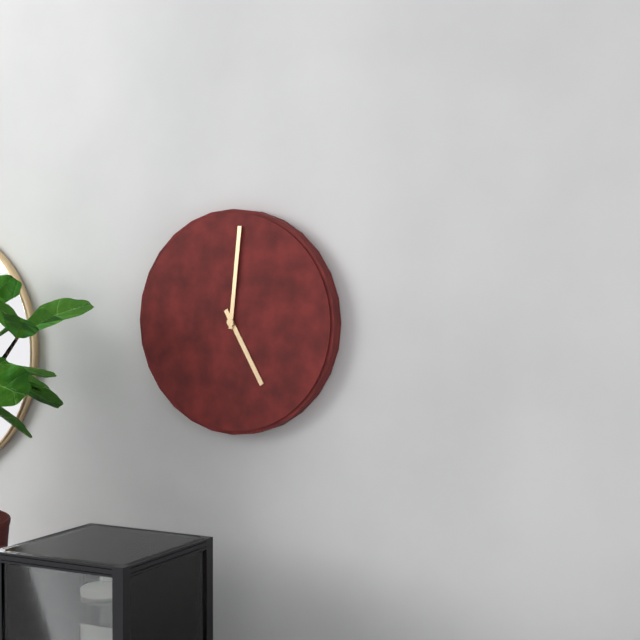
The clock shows {"hour": 5, "minute": 1}
